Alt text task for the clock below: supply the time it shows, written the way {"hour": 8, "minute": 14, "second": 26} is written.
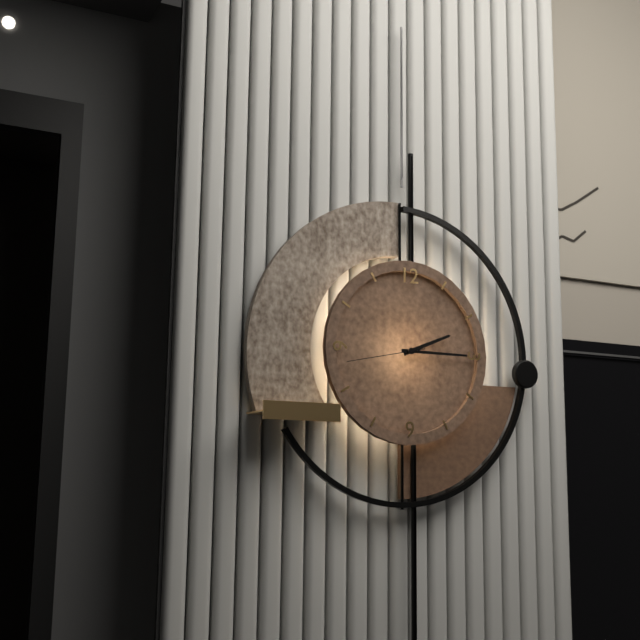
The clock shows {"hour": 2, "minute": 15, "second": 43}
